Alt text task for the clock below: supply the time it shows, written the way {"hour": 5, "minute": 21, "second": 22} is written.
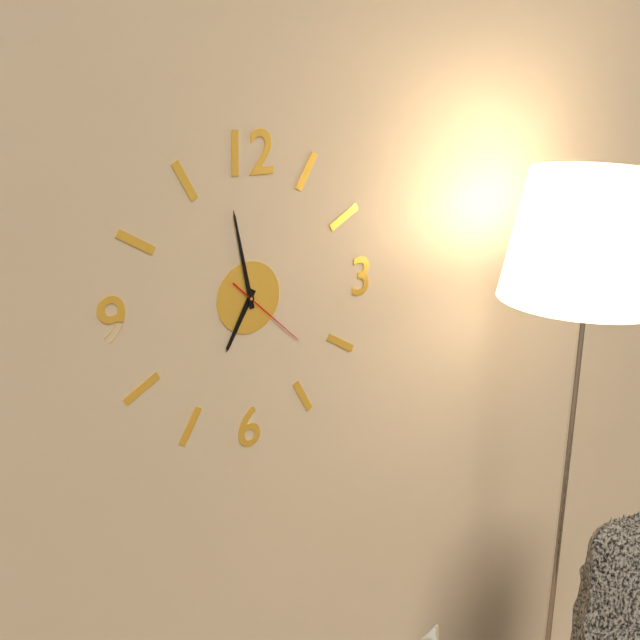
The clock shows {"hour": 6, "minute": 58, "second": 22}
